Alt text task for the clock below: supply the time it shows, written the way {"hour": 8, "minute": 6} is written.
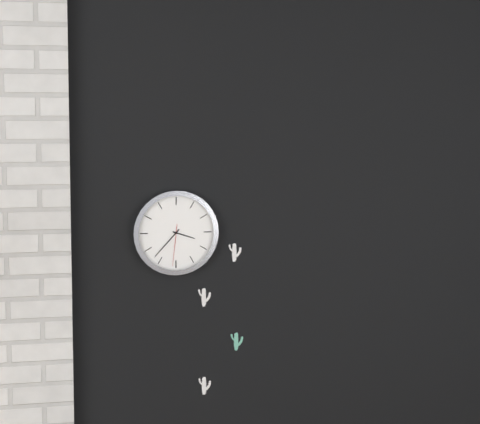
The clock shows {"hour": 3, "minute": 37}
